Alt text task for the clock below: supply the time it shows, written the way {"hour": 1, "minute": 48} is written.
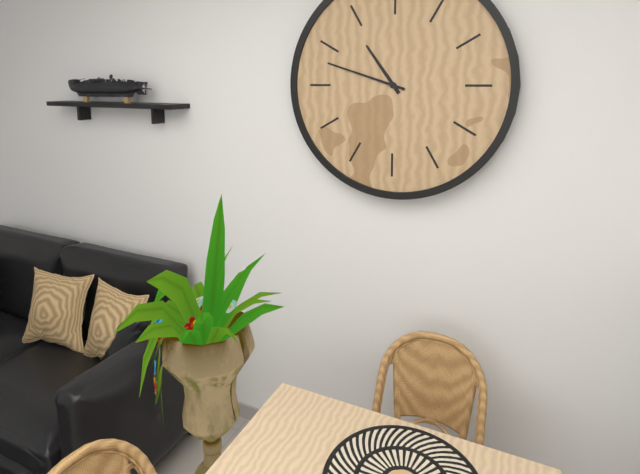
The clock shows {"hour": 10, "minute": 48}
